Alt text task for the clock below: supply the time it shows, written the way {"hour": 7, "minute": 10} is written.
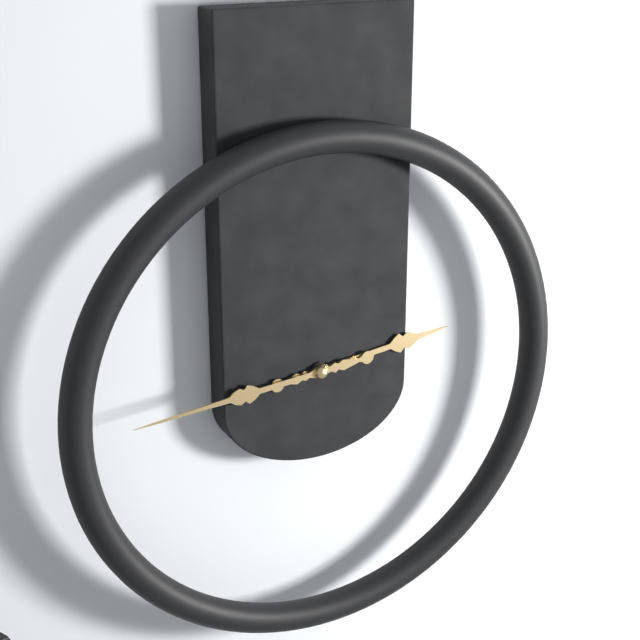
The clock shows {"hour": 2, "minute": 44}
